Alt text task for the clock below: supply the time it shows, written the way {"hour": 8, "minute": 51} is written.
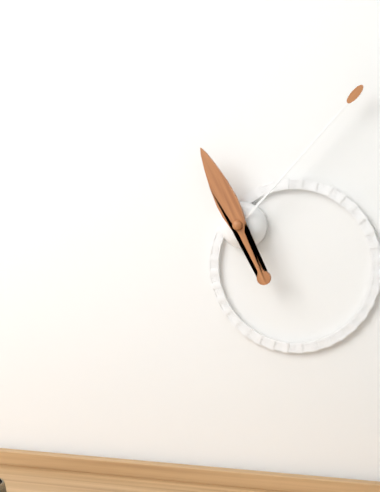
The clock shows {"hour": 11, "minute": 7}
